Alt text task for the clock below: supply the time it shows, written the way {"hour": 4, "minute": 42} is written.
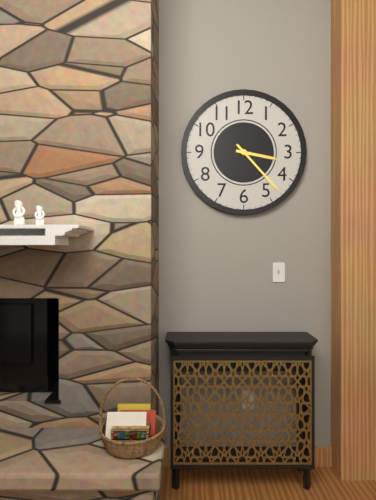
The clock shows {"hour": 3, "minute": 23}
